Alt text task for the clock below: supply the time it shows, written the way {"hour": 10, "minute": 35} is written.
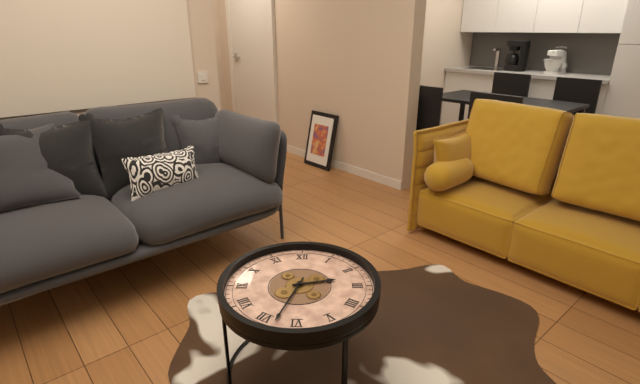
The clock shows {"hour": 2, "minute": 33}
